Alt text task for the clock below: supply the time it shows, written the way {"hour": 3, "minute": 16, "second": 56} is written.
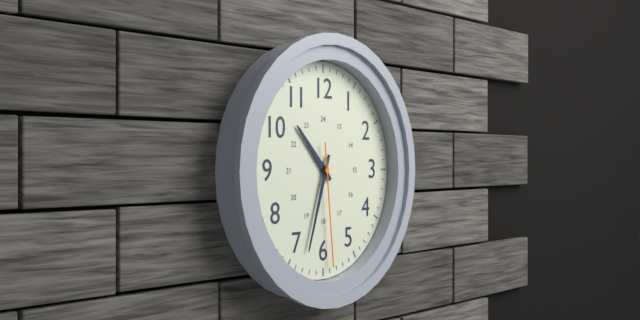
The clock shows {"hour": 10, "minute": 33, "second": 29}
